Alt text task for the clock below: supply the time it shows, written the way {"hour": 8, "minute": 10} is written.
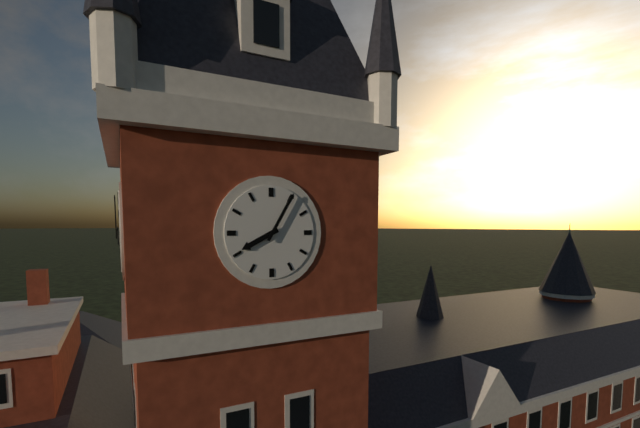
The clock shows {"hour": 8, "minute": 5}
